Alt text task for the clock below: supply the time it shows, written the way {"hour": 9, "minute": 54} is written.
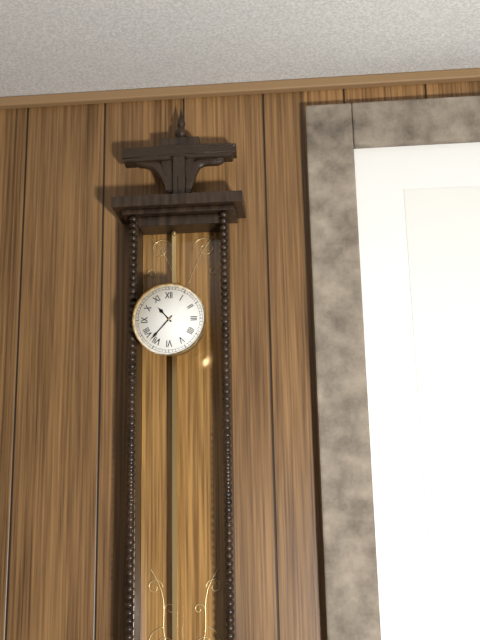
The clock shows {"hour": 10, "minute": 37}
